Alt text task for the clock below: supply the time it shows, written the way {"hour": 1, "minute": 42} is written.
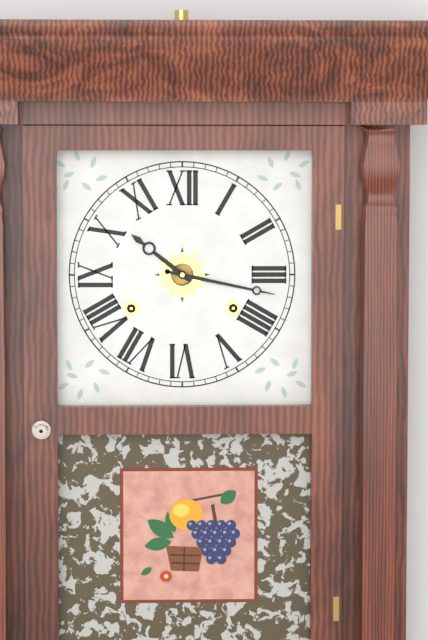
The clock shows {"hour": 10, "minute": 17}
